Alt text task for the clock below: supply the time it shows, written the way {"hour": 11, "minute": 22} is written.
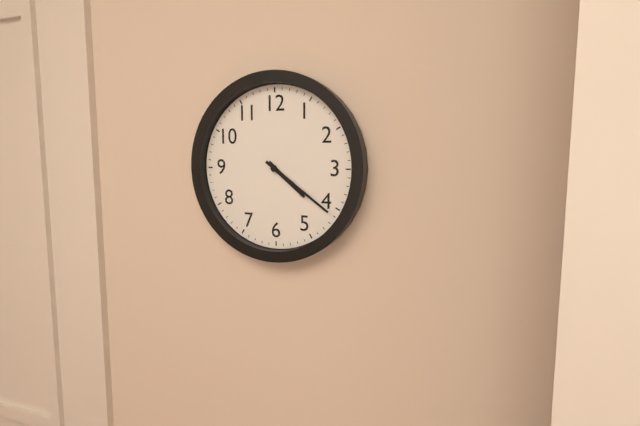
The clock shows {"hour": 4, "minute": 21}
